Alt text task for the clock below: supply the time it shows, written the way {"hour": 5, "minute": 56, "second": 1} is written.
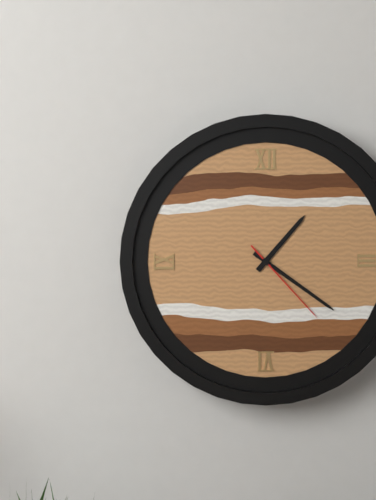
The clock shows {"hour": 1, "minute": 21, "second": 23}
